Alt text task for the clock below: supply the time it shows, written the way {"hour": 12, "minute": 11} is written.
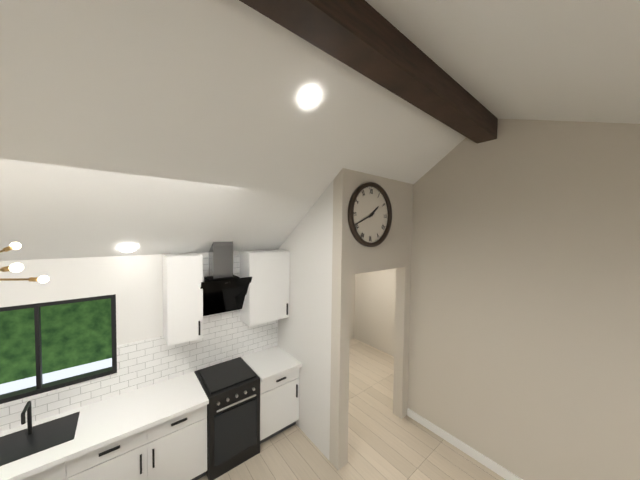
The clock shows {"hour": 1, "minute": 41}
